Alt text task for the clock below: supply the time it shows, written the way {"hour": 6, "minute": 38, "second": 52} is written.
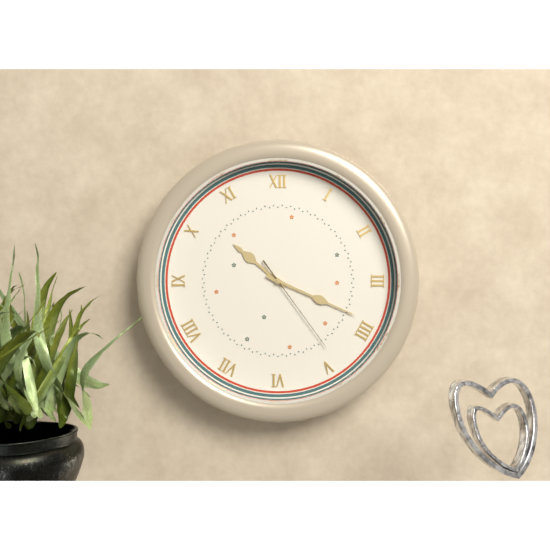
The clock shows {"hour": 10, "minute": 19, "second": 24}
